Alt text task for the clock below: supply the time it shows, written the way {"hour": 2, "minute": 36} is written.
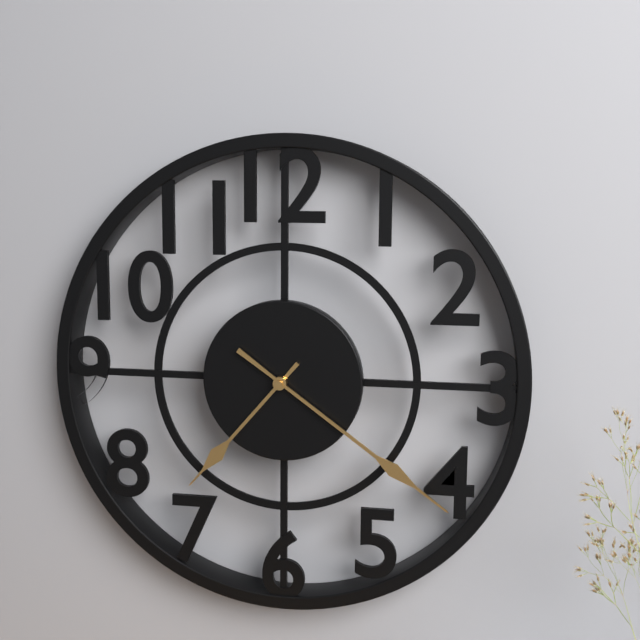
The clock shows {"hour": 7, "minute": 21}
